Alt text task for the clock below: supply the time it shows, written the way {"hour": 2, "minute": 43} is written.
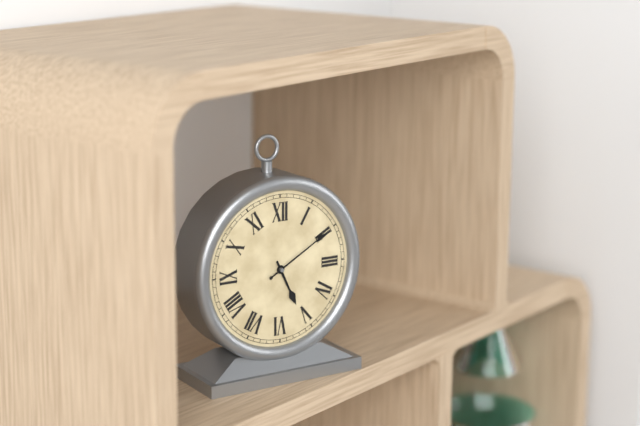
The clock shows {"hour": 5, "minute": 10}
